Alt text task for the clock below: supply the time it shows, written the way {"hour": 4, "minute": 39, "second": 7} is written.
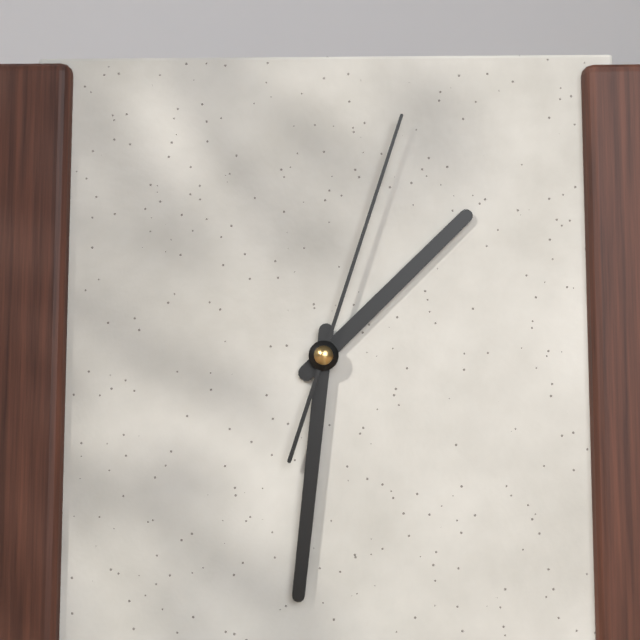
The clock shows {"hour": 1, "minute": 31, "second": 3}
